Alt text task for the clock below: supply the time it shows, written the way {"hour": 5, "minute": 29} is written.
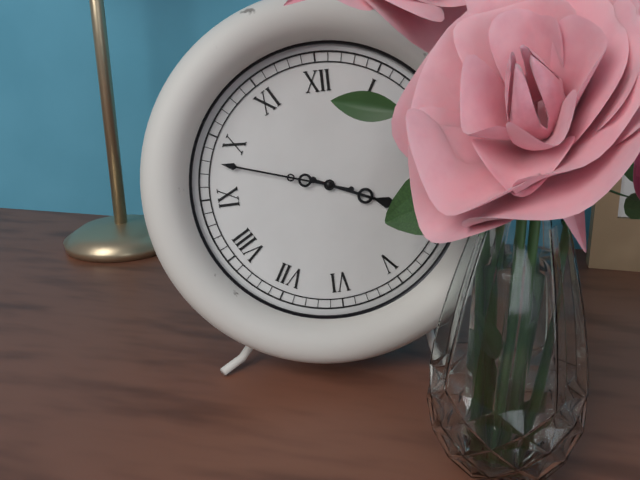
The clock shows {"hour": 3, "minute": 48}
